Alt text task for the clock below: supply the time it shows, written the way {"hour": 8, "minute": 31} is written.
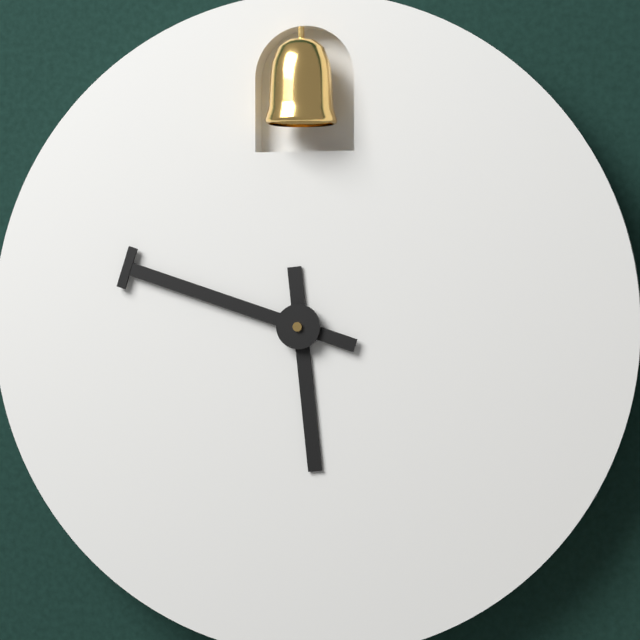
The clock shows {"hour": 5, "minute": 48}
